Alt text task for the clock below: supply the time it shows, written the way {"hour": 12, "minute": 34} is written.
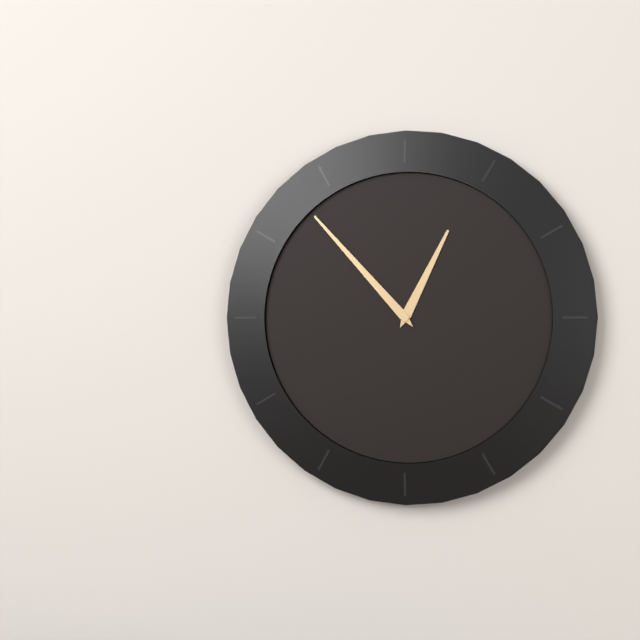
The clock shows {"hour": 12, "minute": 53}
